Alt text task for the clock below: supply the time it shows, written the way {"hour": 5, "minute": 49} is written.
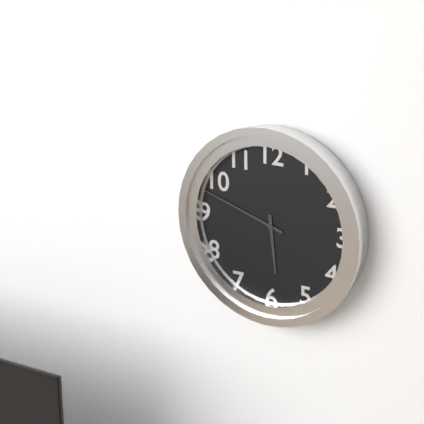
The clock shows {"hour": 5, "minute": 48}
